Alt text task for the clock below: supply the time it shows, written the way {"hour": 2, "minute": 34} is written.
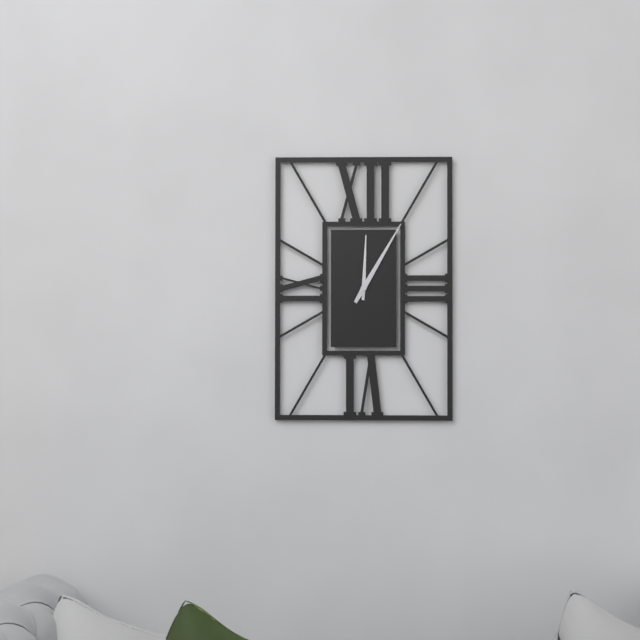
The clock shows {"hour": 12, "minute": 5}
